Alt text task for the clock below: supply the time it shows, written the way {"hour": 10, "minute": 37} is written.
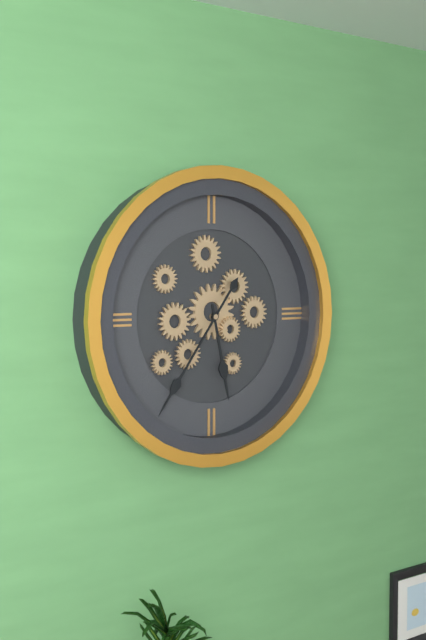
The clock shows {"hour": 5, "minute": 36}
